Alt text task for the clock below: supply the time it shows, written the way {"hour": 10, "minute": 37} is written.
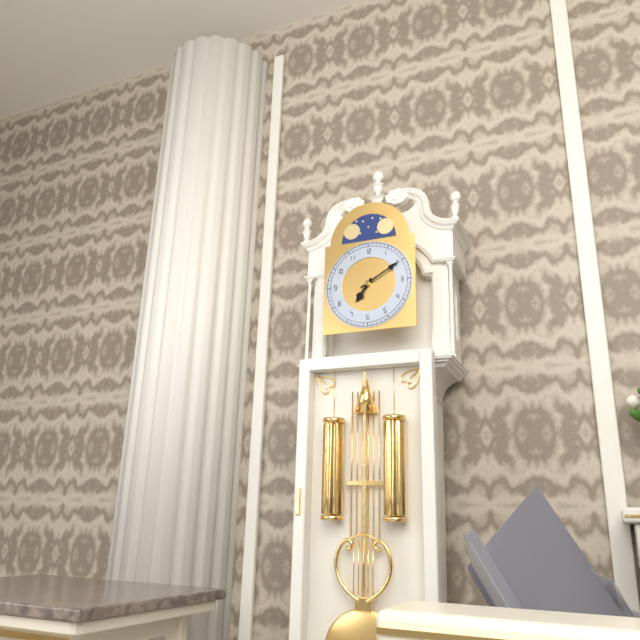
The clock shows {"hour": 7, "minute": 10}
